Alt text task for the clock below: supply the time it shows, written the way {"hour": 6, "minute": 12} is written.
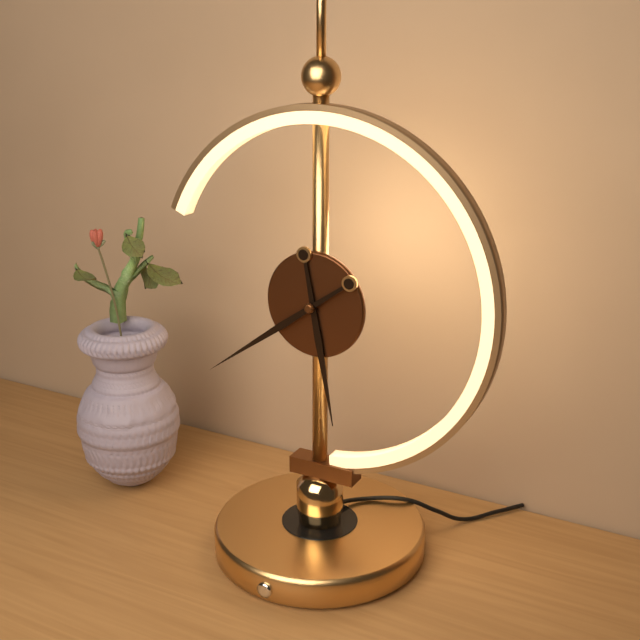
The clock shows {"hour": 5, "minute": 39}
